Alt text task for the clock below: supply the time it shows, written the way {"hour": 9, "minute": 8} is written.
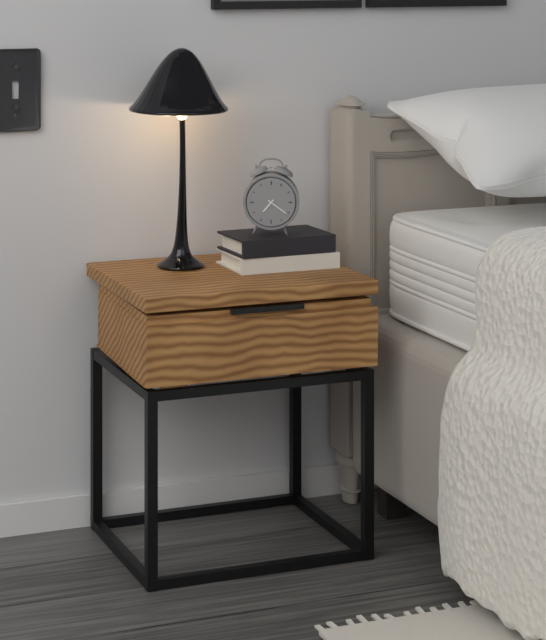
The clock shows {"hour": 7, "minute": 21}
